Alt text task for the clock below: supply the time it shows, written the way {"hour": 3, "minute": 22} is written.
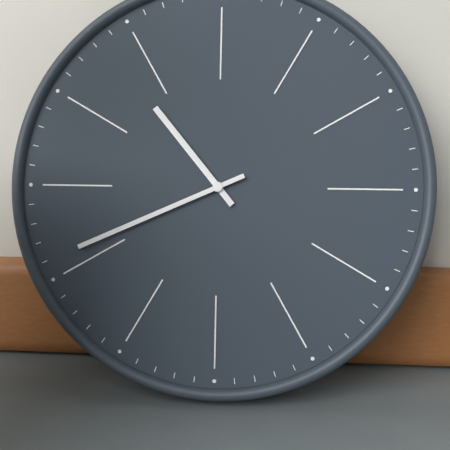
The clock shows {"hour": 10, "minute": 41}
